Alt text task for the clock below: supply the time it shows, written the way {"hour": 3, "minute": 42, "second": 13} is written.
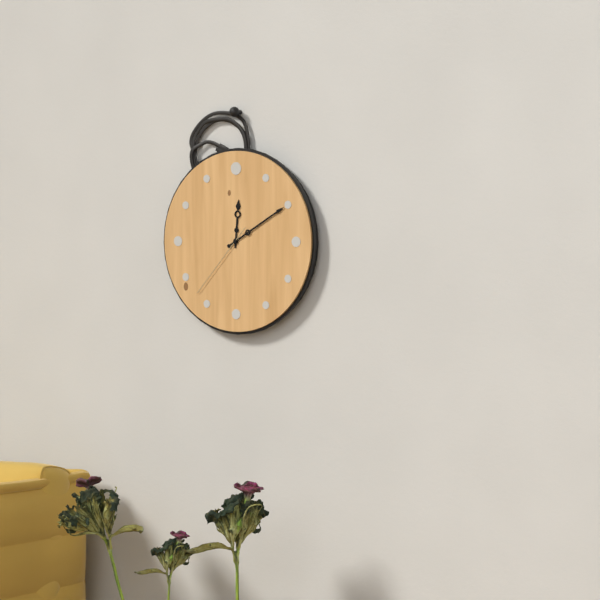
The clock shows {"hour": 12, "minute": 10, "second": 37}
